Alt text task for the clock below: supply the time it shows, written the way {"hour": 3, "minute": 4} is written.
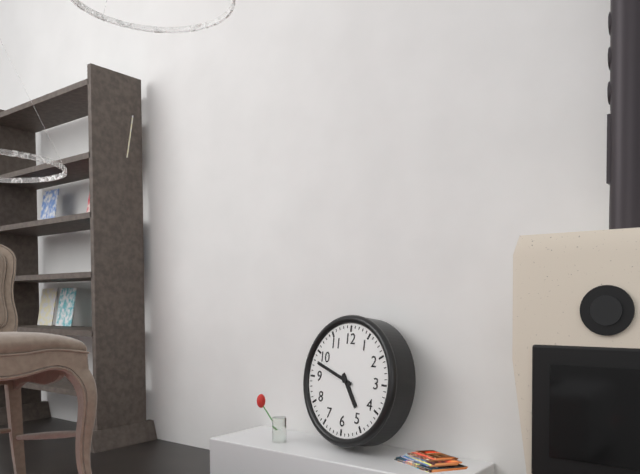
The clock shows {"hour": 4, "minute": 48}
